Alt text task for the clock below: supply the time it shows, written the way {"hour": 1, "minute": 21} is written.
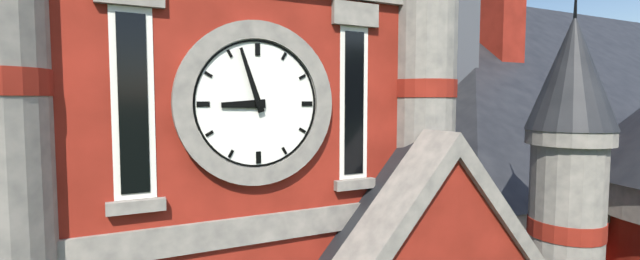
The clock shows {"hour": 8, "minute": 57}
